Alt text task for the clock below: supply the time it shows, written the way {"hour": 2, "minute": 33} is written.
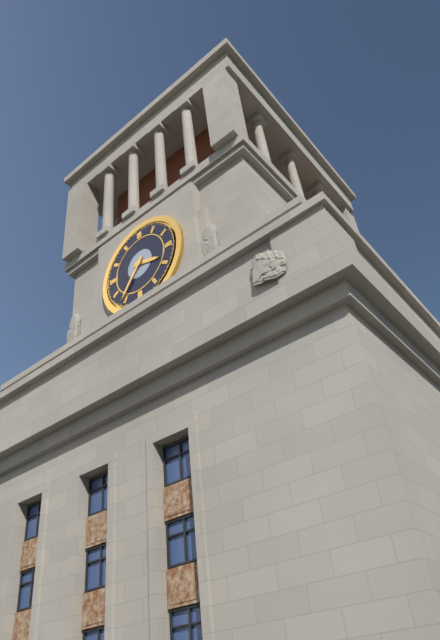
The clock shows {"hour": 3, "minute": 36}
